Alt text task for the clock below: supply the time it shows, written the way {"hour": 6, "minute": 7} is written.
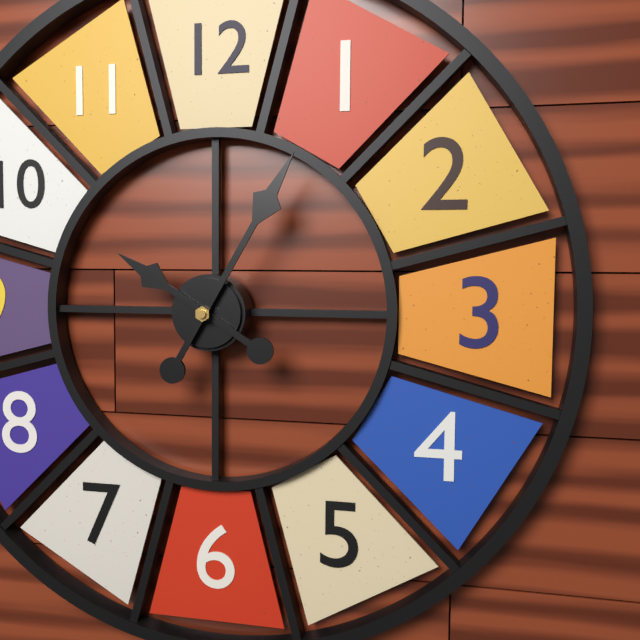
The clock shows {"hour": 10, "minute": 5}
